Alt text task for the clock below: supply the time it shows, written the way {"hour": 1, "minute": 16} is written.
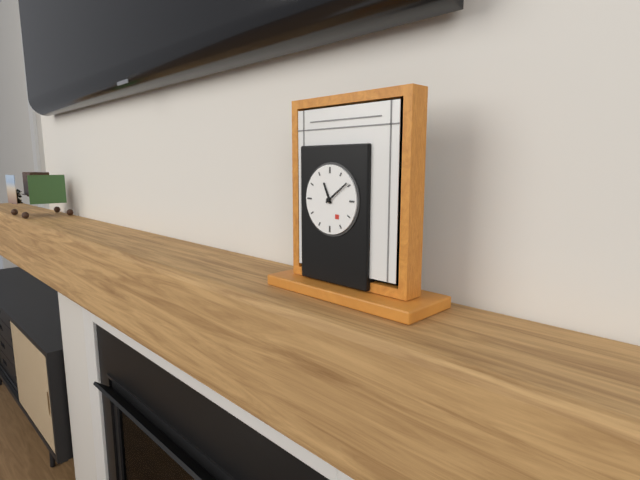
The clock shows {"hour": 11, "minute": 9}
